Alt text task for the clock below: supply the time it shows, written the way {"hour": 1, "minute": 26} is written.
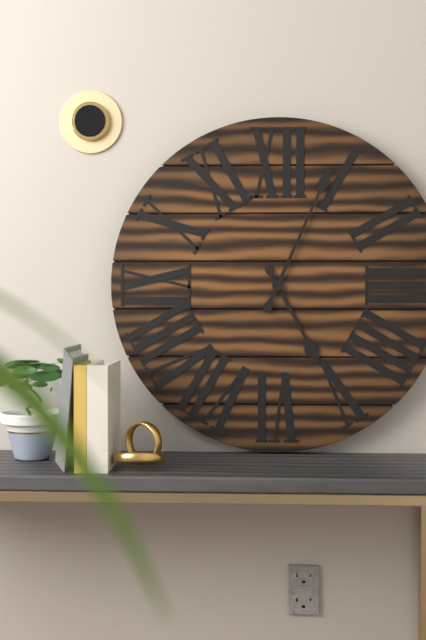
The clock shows {"hour": 5, "minute": 4}
